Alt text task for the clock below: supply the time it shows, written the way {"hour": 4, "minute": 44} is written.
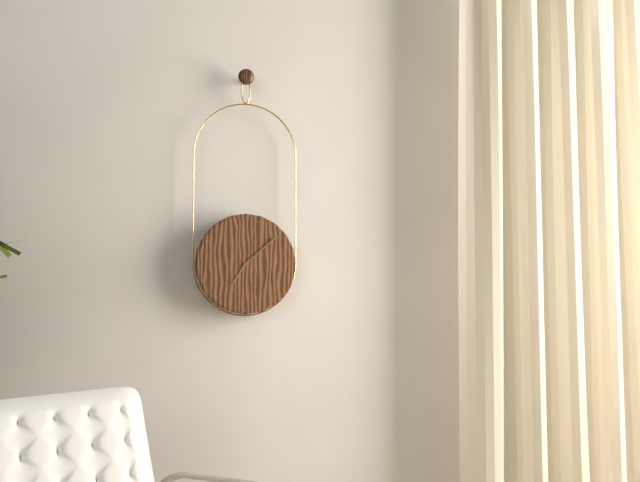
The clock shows {"hour": 7, "minute": 8}
